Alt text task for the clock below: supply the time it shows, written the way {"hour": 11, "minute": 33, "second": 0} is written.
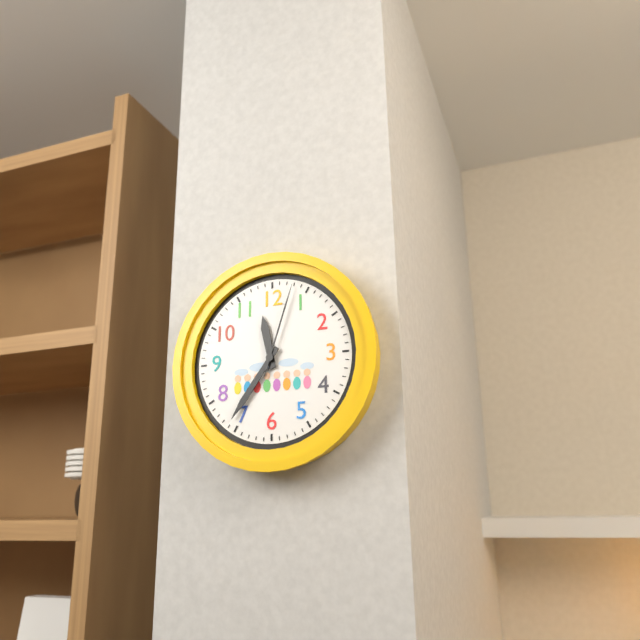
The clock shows {"hour": 11, "minute": 36, "second": 3}
